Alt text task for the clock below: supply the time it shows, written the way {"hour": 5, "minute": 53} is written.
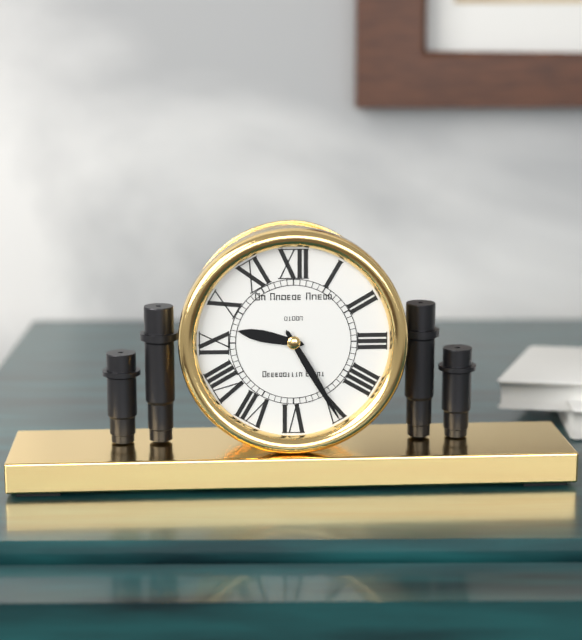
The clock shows {"hour": 9, "minute": 25}
